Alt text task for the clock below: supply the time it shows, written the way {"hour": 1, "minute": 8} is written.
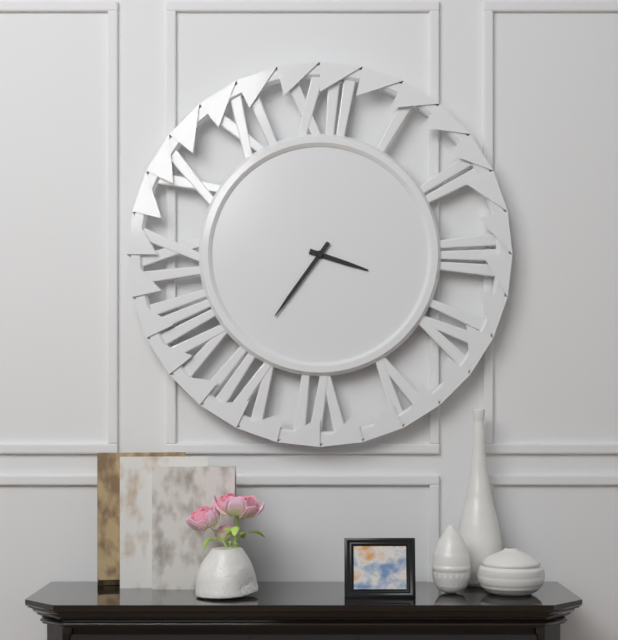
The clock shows {"hour": 3, "minute": 36}
